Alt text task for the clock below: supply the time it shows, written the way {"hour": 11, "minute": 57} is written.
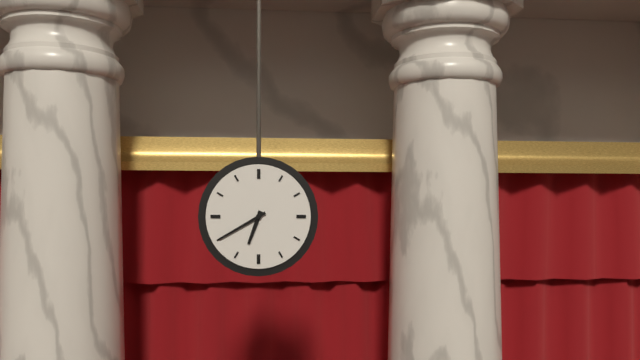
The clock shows {"hour": 6, "minute": 40}
